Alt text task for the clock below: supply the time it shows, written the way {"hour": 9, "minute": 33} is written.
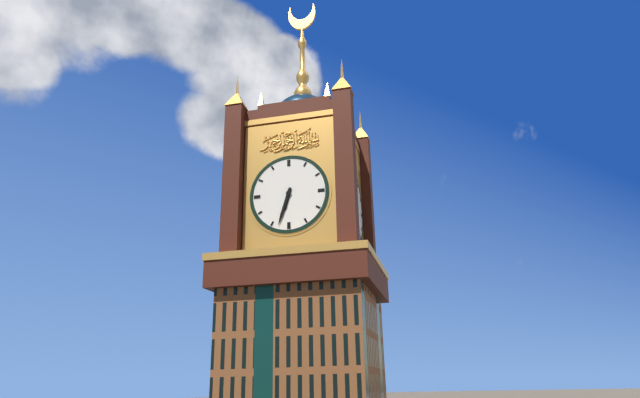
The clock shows {"hour": 6, "minute": 33}
